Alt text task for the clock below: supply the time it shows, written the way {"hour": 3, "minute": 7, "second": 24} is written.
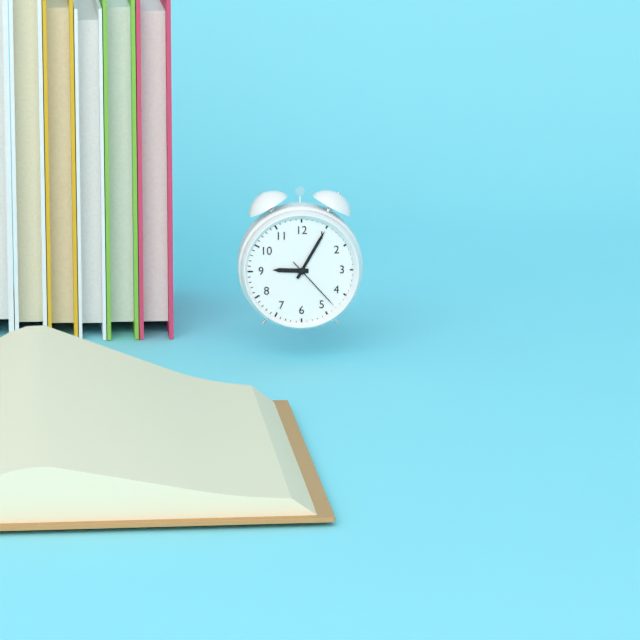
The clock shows {"hour": 9, "minute": 5, "second": 23}
